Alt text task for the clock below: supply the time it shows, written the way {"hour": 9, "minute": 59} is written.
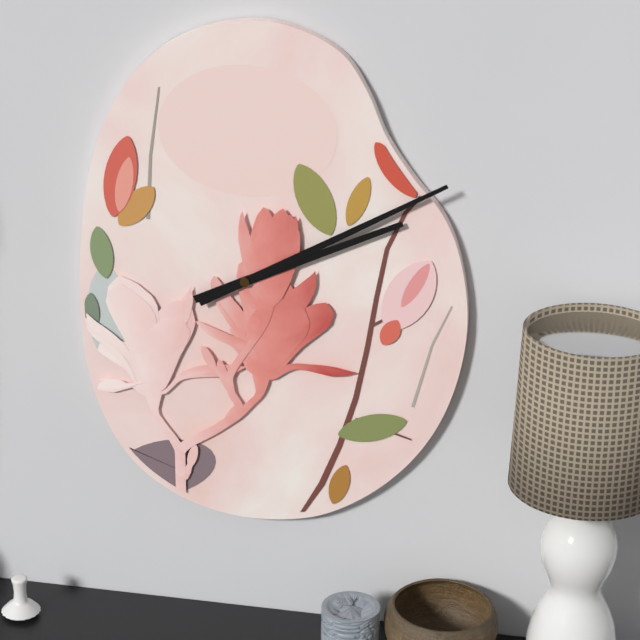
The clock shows {"hour": 2, "minute": 10}
